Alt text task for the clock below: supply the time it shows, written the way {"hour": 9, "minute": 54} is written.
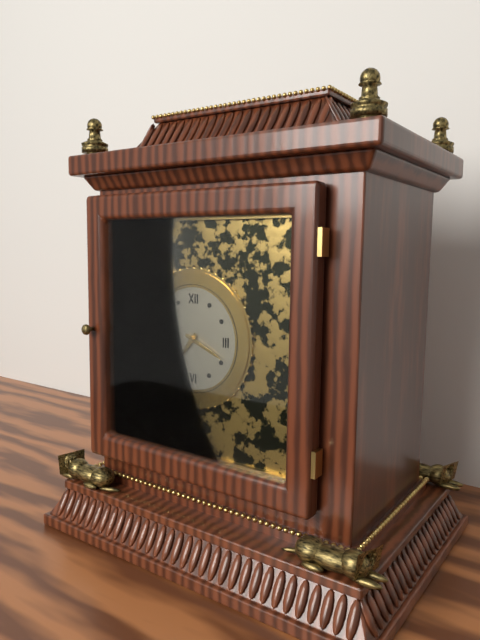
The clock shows {"hour": 7, "minute": 19}
